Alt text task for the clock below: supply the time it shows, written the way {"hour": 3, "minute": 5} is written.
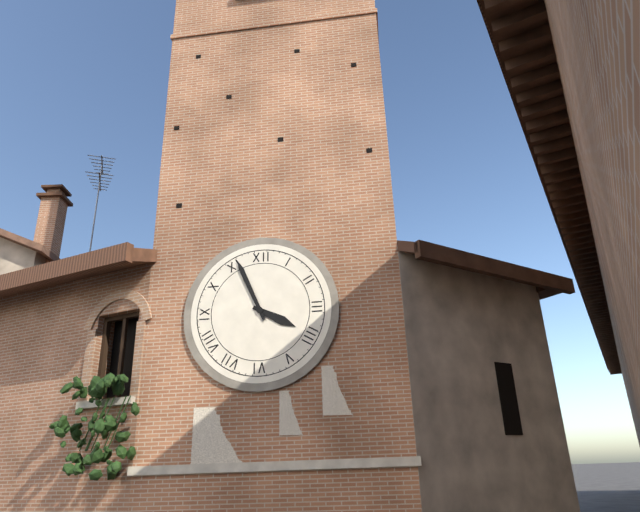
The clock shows {"hour": 3, "minute": 56}
